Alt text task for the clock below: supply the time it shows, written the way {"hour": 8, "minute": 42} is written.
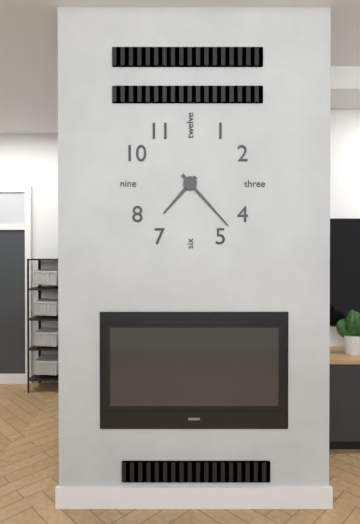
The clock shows {"hour": 7, "minute": 23}
